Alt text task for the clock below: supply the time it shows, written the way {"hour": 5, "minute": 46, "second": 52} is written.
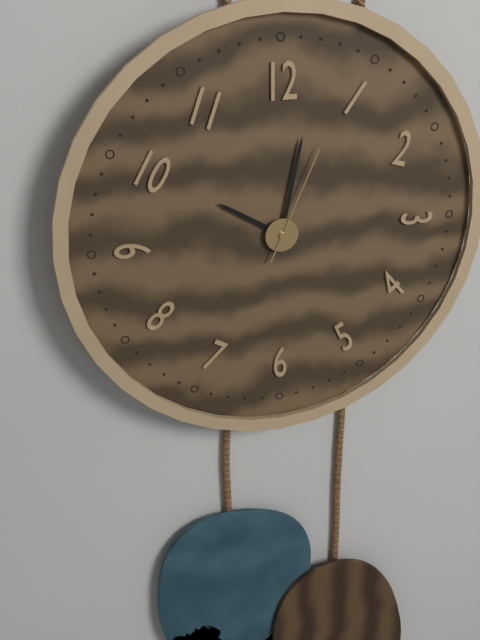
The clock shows {"hour": 10, "minute": 2, "second": 4}
